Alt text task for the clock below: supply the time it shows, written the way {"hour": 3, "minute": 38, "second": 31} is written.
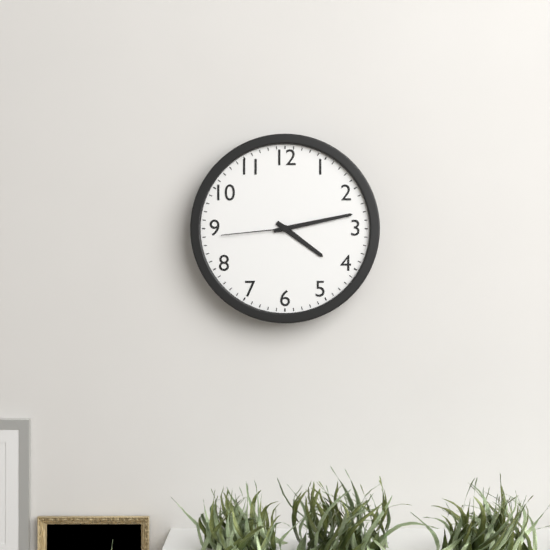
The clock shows {"hour": 4, "minute": 13, "second": 44}
